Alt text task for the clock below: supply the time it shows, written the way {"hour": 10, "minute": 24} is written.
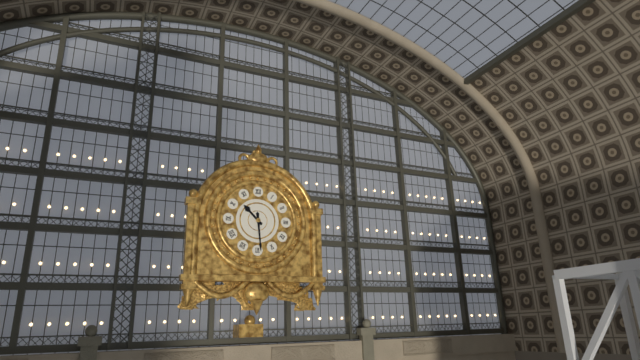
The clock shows {"hour": 10, "minute": 29}
